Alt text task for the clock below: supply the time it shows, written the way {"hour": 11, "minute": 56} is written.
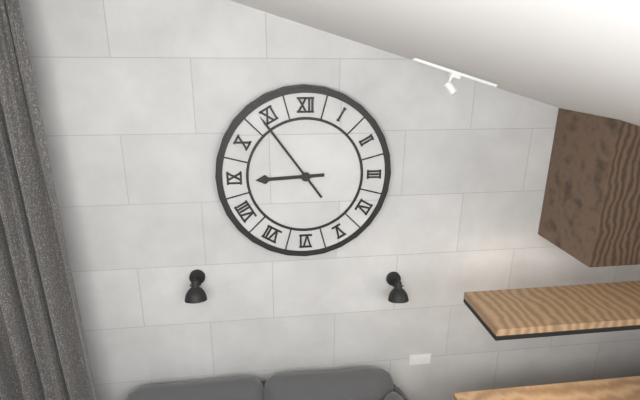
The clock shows {"hour": 8, "minute": 54}
